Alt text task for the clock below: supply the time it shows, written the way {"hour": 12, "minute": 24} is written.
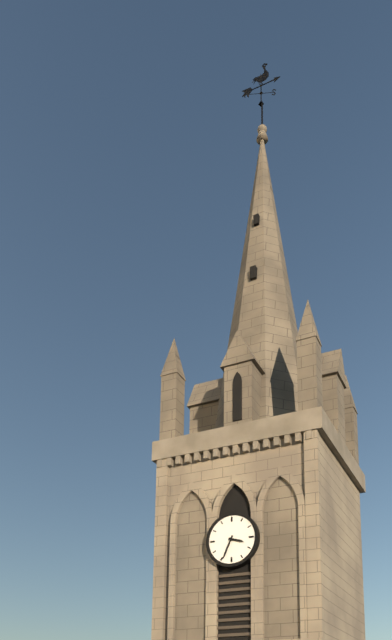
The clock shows {"hour": 3, "minute": 34}
